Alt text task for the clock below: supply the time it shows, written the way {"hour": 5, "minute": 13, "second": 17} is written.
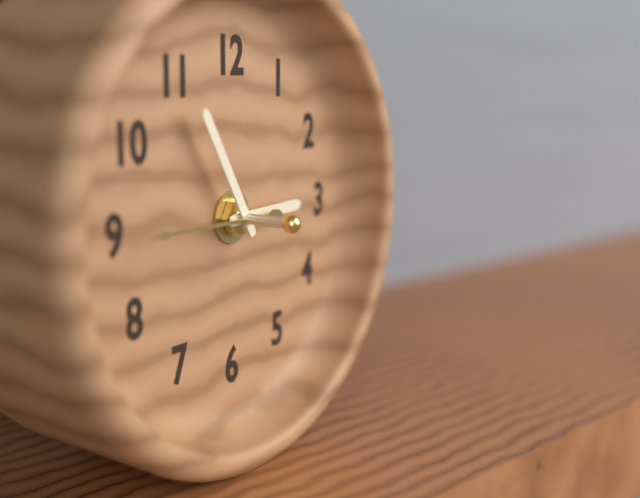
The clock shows {"hour": 2, "minute": 55, "second": 45}
